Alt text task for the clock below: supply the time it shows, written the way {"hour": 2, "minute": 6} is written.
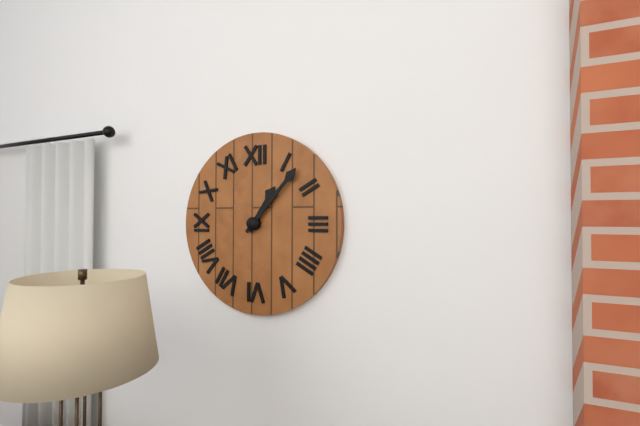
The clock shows {"hour": 1, "minute": 7}
